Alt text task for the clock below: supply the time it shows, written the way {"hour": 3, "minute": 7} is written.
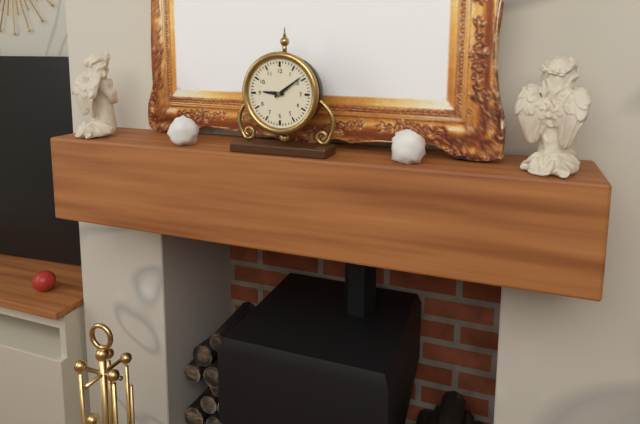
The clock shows {"hour": 9, "minute": 9}
